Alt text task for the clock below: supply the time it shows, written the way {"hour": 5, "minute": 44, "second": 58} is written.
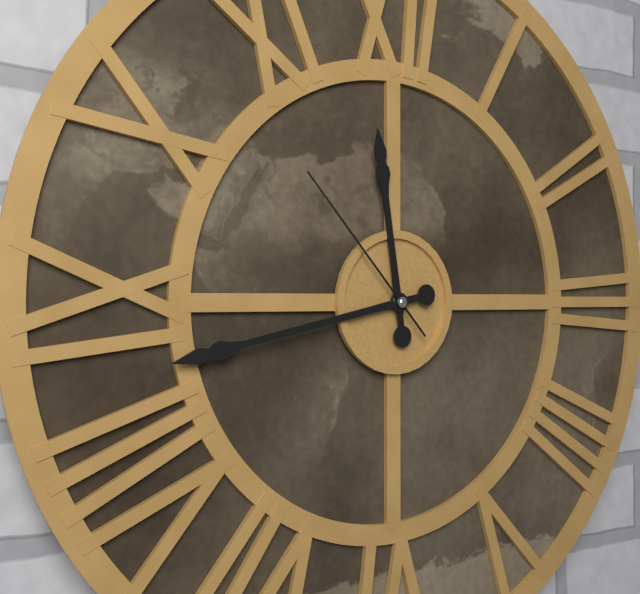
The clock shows {"hour": 11, "minute": 43, "second": 53}
